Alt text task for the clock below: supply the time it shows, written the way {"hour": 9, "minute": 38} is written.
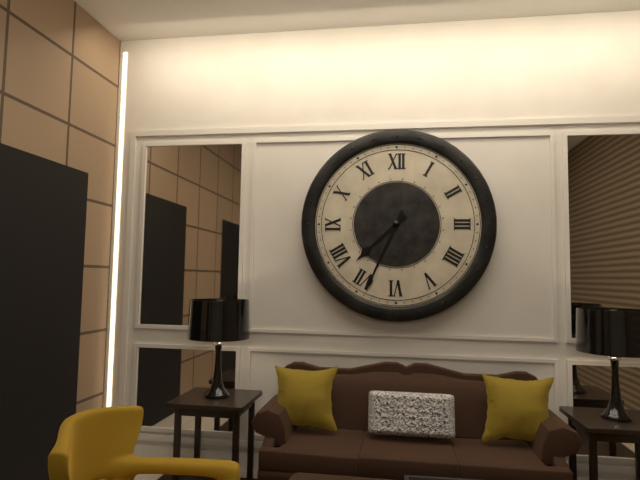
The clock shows {"hour": 7, "minute": 34}
